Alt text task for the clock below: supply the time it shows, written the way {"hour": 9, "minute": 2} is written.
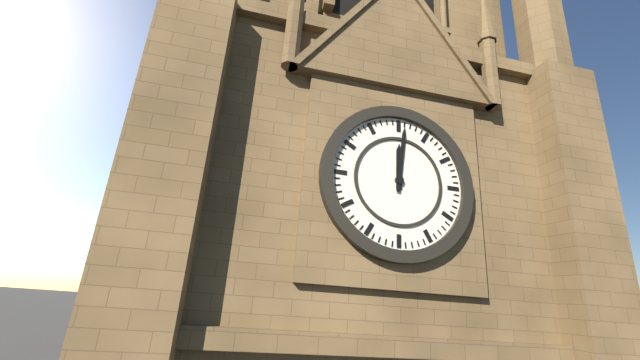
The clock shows {"hour": 12, "minute": 1}
